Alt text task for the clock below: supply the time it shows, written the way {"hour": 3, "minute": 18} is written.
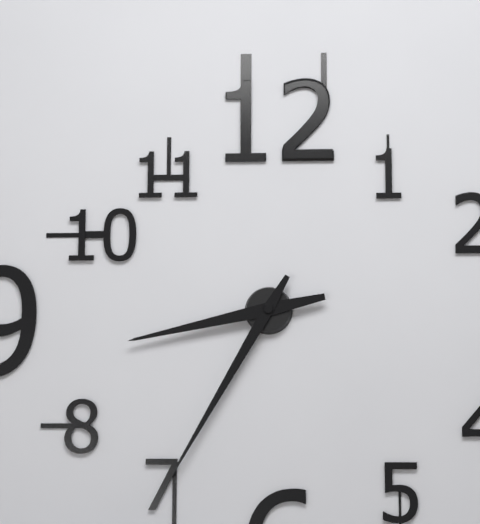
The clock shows {"hour": 8, "minute": 35}
